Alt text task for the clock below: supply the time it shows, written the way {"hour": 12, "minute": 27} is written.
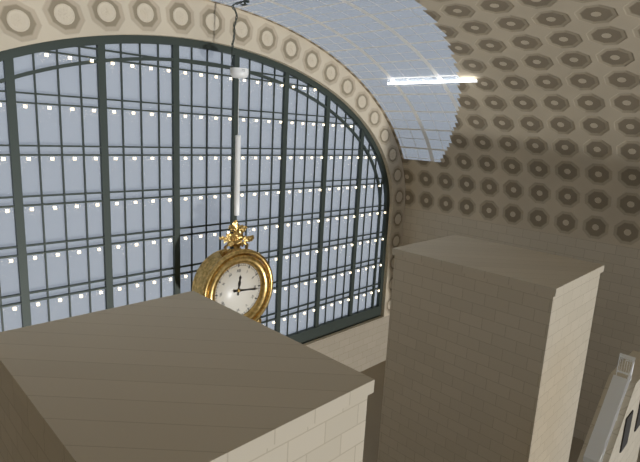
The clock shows {"hour": 12, "minute": 16}
